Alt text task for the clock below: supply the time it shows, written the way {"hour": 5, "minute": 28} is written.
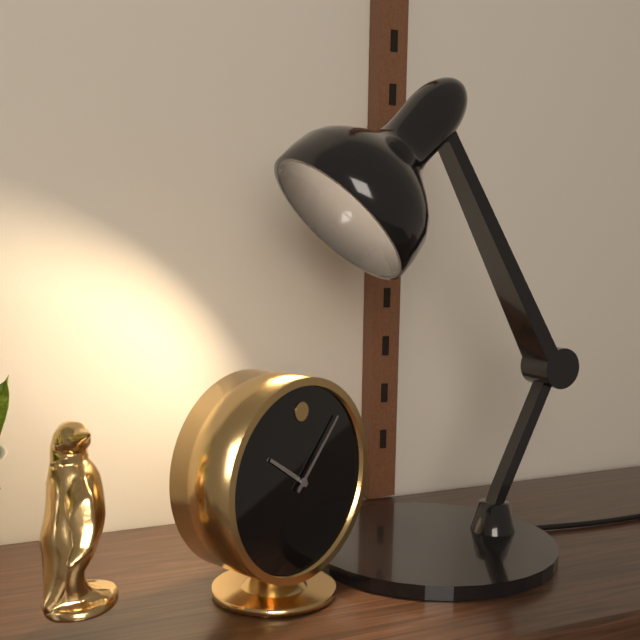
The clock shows {"hour": 10, "minute": 7}
